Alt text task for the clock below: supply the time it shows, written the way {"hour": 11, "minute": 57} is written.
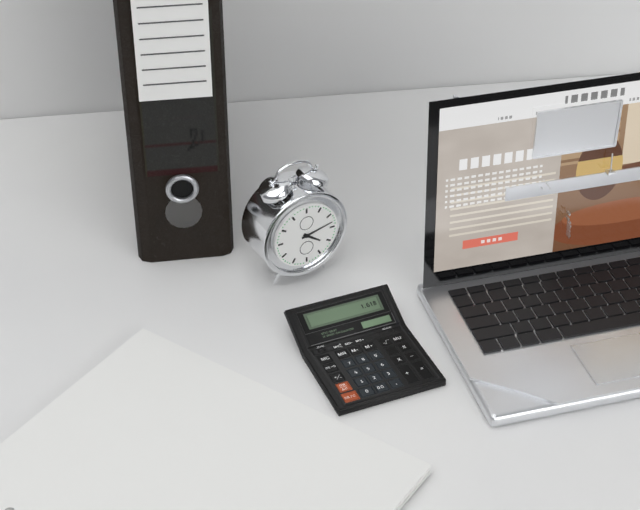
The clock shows {"hour": 4, "minute": 13}
